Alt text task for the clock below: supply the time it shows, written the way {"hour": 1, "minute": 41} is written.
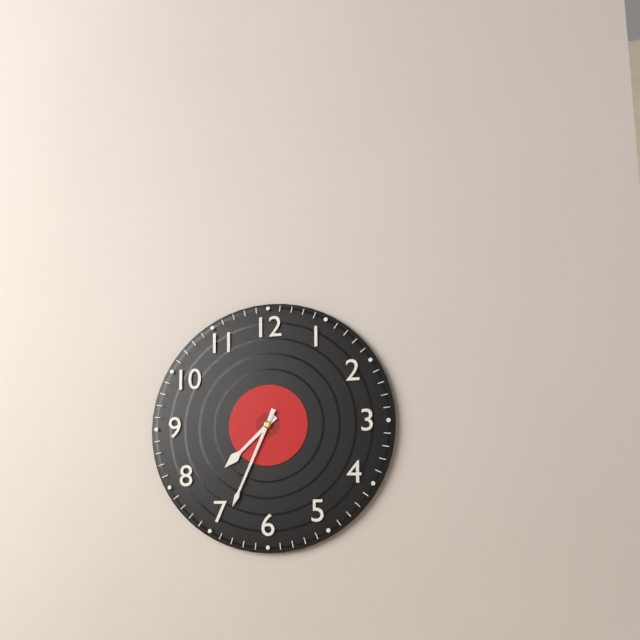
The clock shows {"hour": 7, "minute": 34}
